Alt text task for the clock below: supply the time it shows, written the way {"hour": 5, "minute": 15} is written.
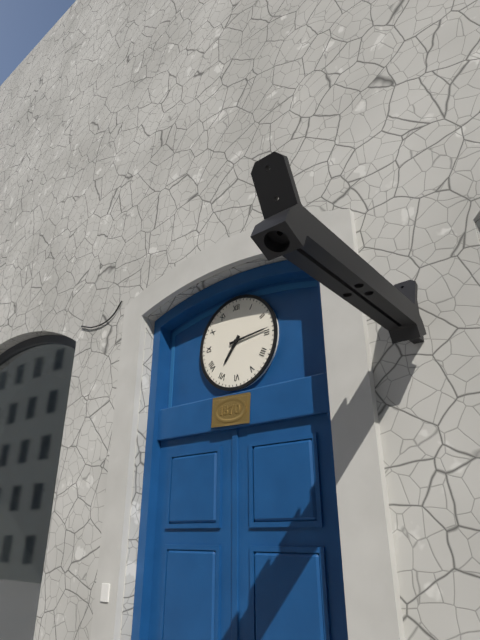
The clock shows {"hour": 7, "minute": 14}
